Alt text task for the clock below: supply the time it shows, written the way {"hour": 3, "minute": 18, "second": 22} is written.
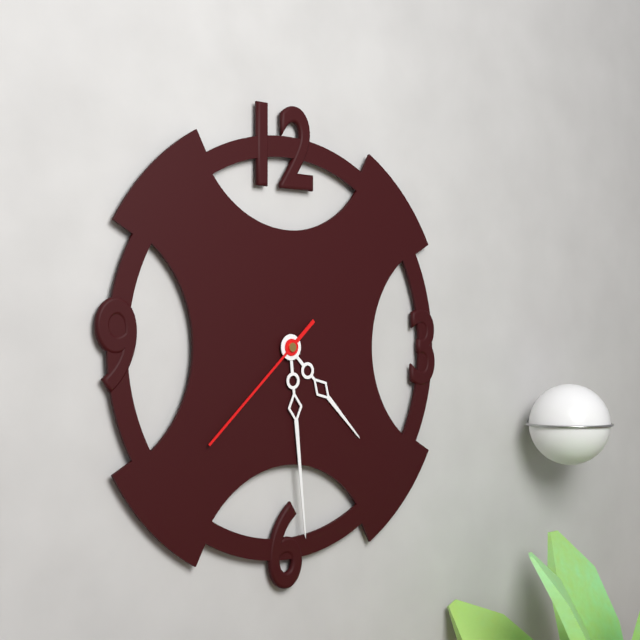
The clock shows {"hour": 4, "minute": 29, "second": 38}
